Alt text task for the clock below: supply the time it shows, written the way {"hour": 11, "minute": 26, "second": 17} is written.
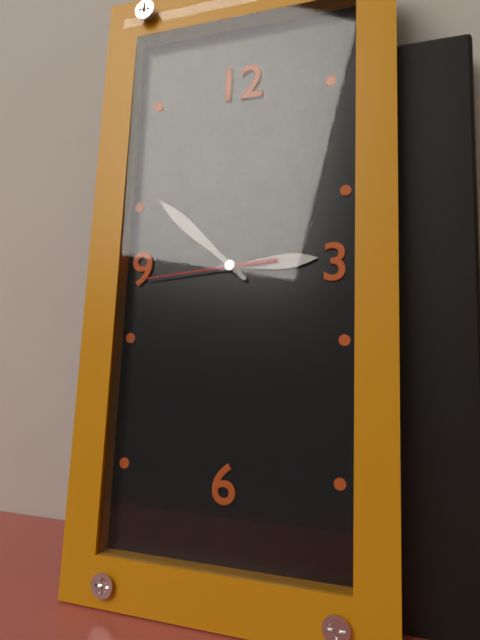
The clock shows {"hour": 2, "minute": 52, "second": 44}
